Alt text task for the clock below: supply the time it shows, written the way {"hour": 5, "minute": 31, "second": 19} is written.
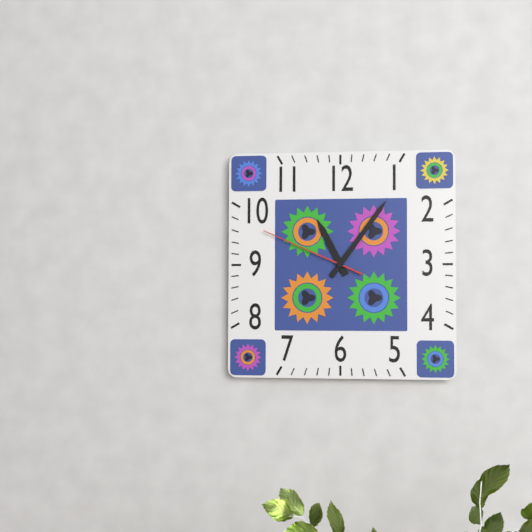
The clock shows {"hour": 11, "minute": 6, "second": 49}
